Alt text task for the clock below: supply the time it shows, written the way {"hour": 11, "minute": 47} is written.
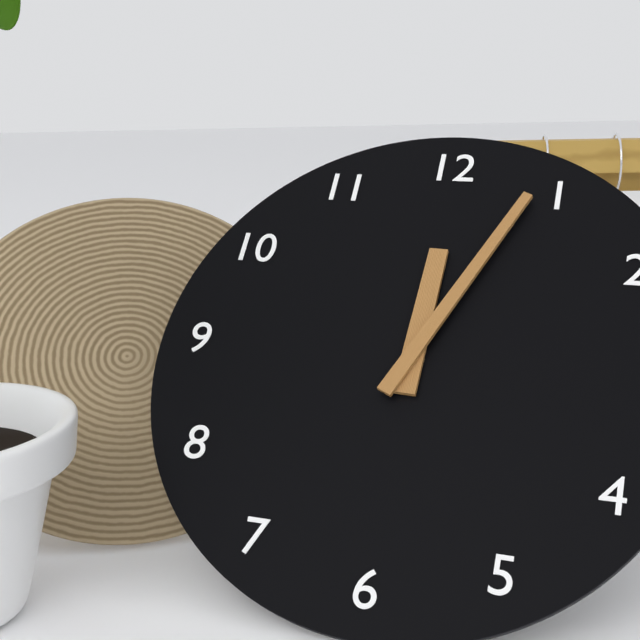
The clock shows {"hour": 12, "minute": 4}
